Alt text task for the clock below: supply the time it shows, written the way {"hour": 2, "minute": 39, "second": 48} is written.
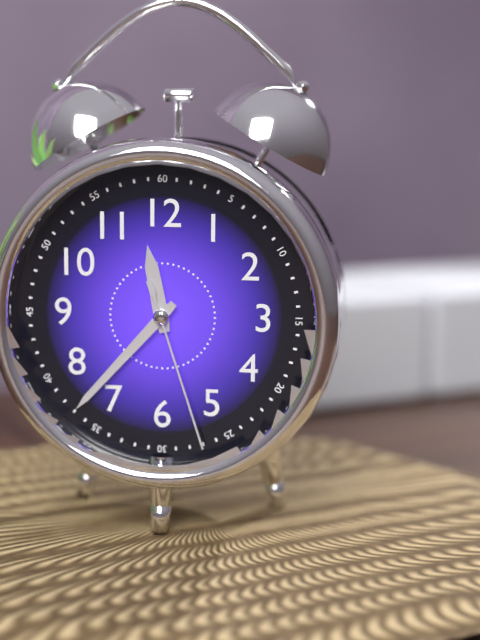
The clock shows {"hour": 11, "minute": 37, "second": 27}
